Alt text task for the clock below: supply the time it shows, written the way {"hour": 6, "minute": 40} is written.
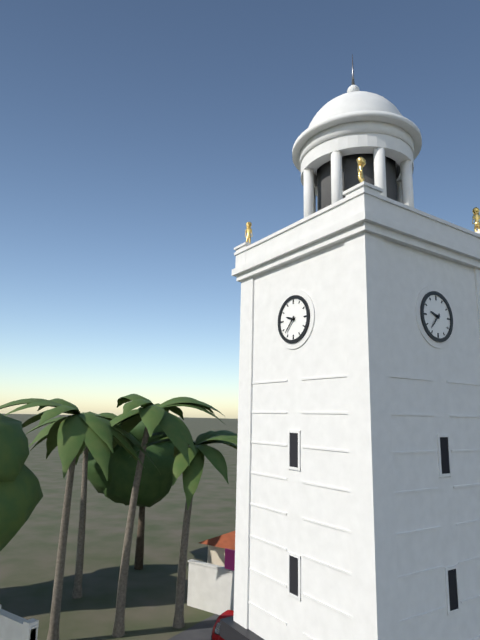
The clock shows {"hour": 9, "minute": 37}
